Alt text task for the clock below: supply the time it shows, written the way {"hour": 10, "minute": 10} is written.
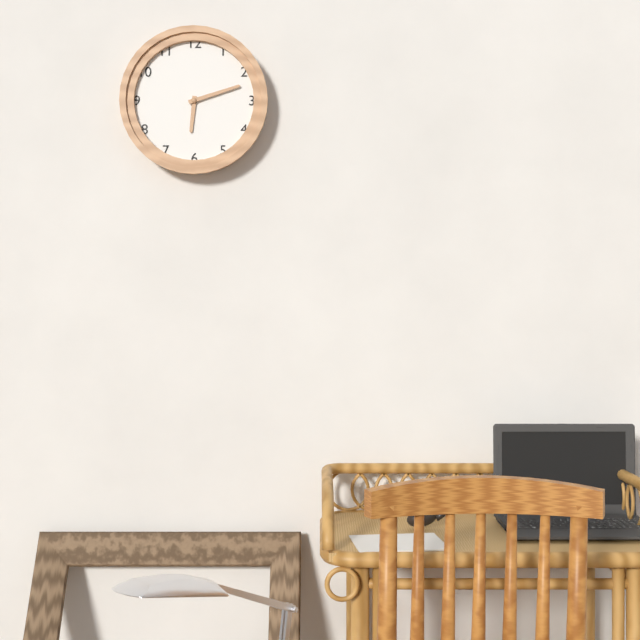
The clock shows {"hour": 6, "minute": 12}
